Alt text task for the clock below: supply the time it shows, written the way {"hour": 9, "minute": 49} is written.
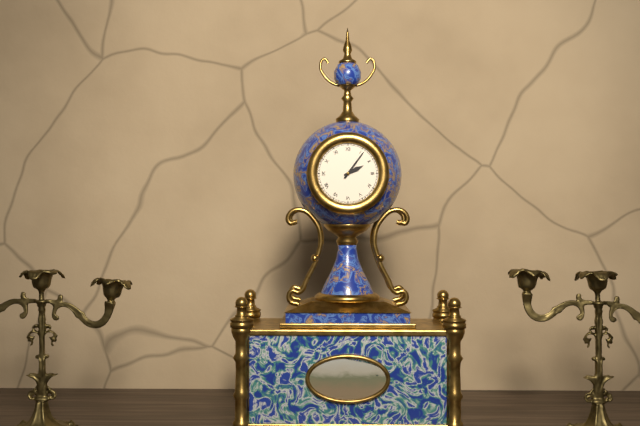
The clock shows {"hour": 2, "minute": 6}
